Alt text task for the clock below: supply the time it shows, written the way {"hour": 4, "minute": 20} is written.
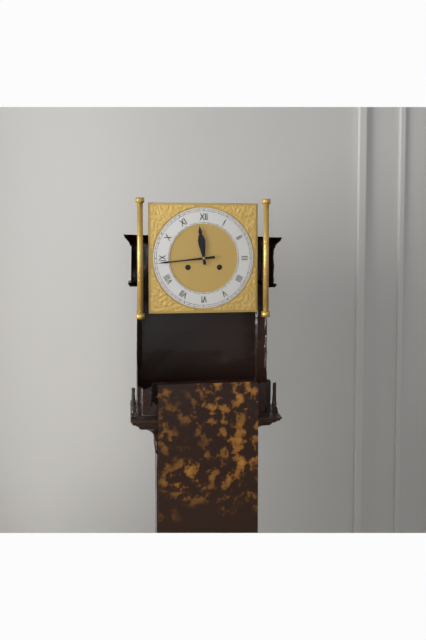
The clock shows {"hour": 11, "minute": 44}
